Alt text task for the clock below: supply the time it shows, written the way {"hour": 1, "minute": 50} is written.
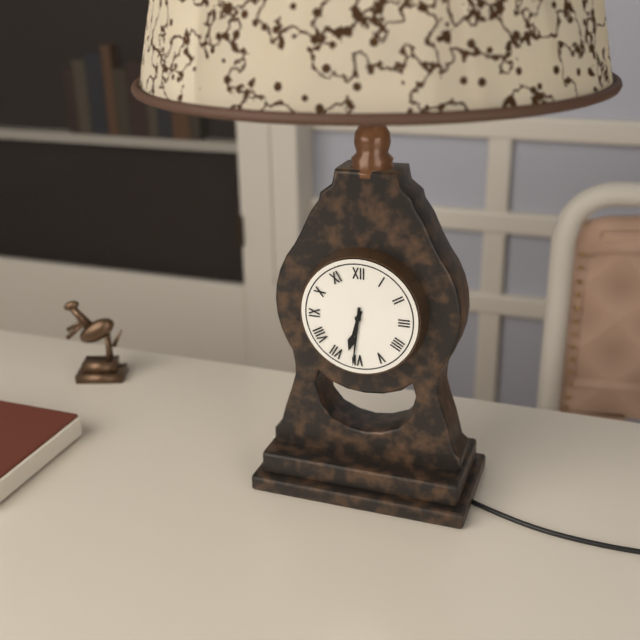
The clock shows {"hour": 6, "minute": 31}
